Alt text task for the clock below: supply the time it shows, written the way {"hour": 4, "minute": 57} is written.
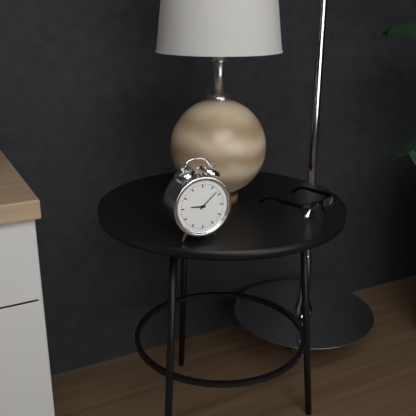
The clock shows {"hour": 9, "minute": 8}
